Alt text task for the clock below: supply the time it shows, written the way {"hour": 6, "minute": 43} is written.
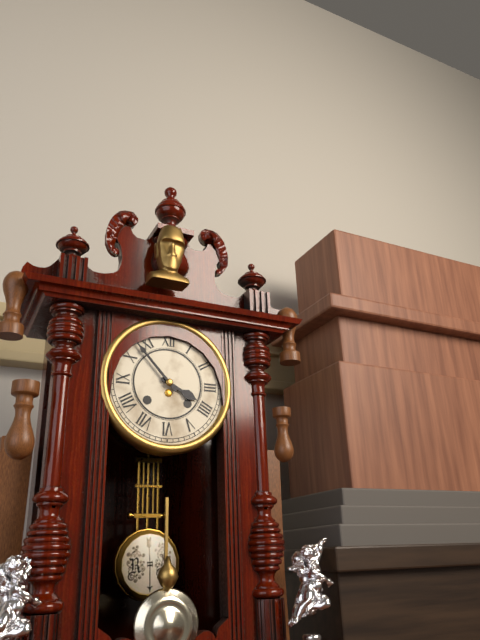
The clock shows {"hour": 3, "minute": 53}
